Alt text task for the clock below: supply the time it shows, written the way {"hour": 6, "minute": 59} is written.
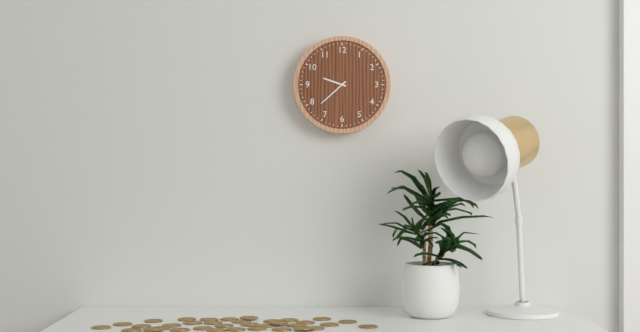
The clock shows {"hour": 9, "minute": 38}
